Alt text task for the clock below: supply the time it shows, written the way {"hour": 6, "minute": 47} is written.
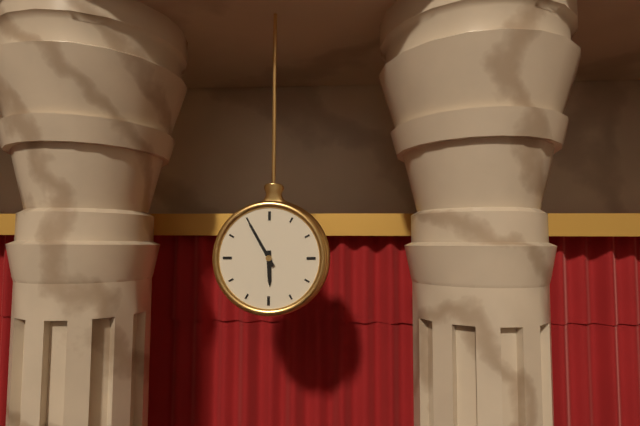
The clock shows {"hour": 5, "minute": 55}
